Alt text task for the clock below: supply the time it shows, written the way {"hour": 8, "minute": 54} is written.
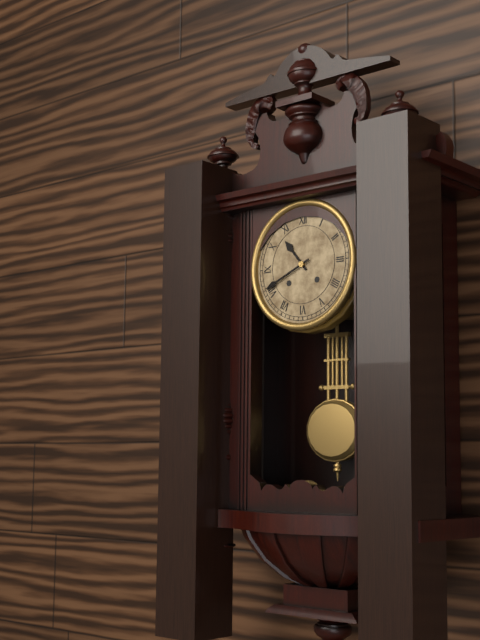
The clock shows {"hour": 10, "minute": 41}
